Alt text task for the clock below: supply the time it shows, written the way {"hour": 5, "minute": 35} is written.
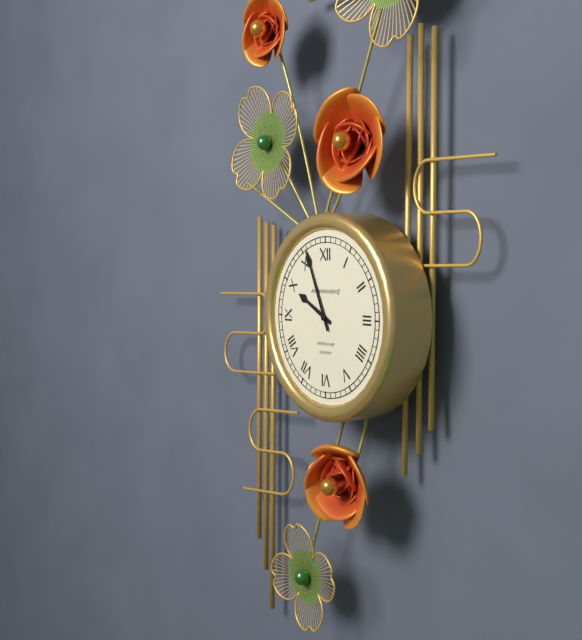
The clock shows {"hour": 9, "minute": 56}
